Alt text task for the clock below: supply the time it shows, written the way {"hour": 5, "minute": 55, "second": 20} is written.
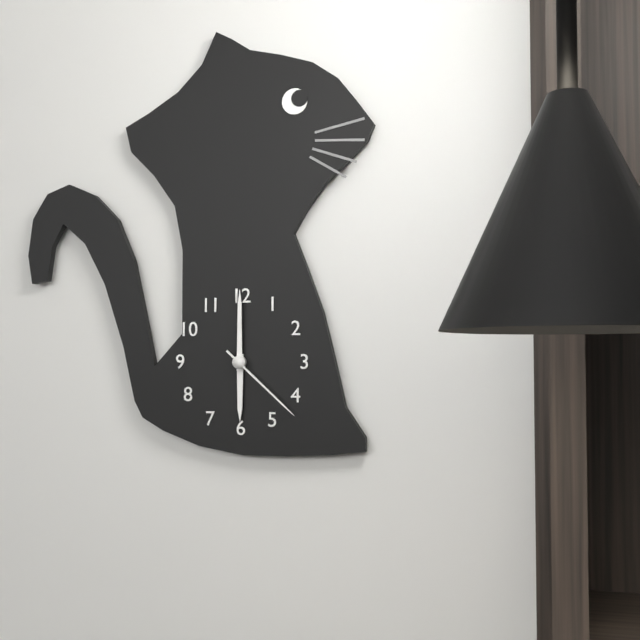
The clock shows {"hour": 6, "minute": 0, "second": 22}
